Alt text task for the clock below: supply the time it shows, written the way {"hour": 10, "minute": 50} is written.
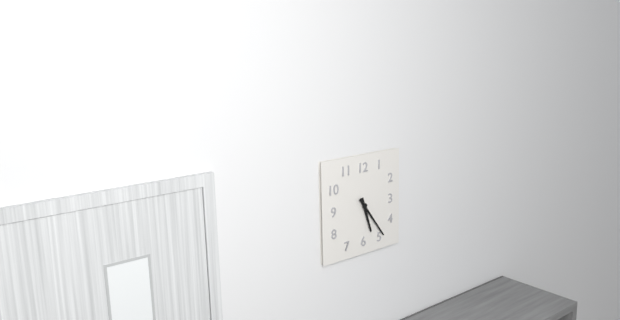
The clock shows {"hour": 5, "minute": 24}
